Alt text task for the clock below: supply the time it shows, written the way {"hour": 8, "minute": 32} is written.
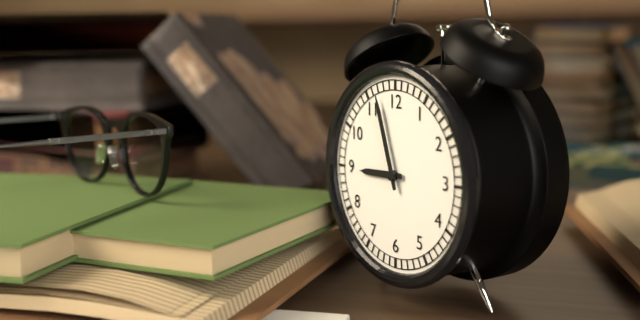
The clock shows {"hour": 8, "minute": 57}
